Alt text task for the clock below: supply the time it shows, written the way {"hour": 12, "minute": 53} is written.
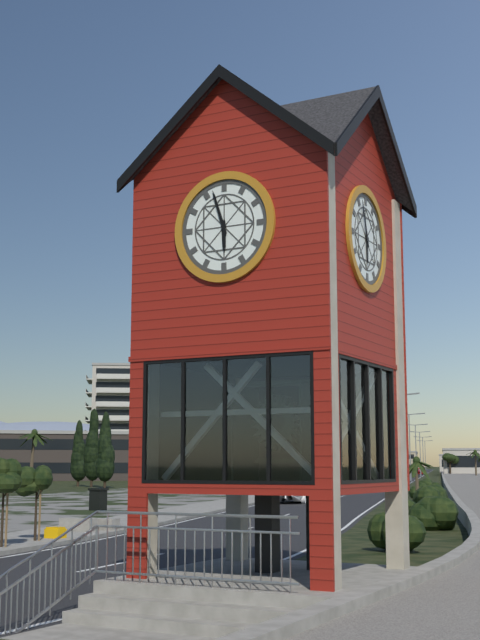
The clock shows {"hour": 5, "minute": 57}
